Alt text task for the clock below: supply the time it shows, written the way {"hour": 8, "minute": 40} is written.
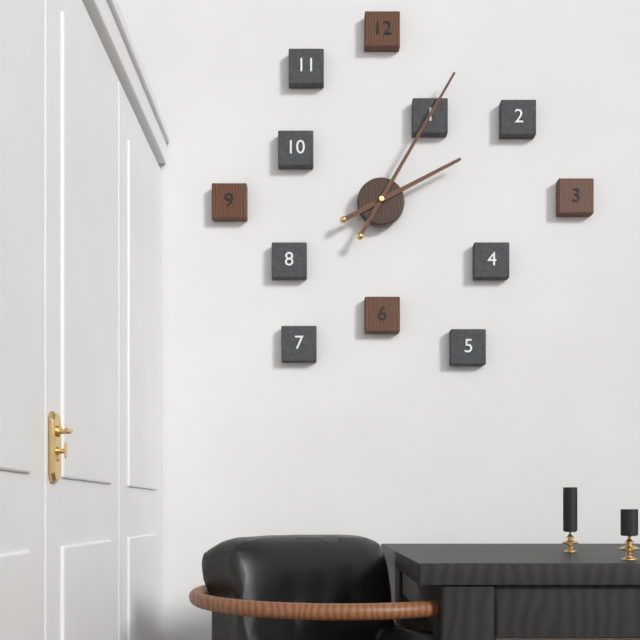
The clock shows {"hour": 2, "minute": 5}
